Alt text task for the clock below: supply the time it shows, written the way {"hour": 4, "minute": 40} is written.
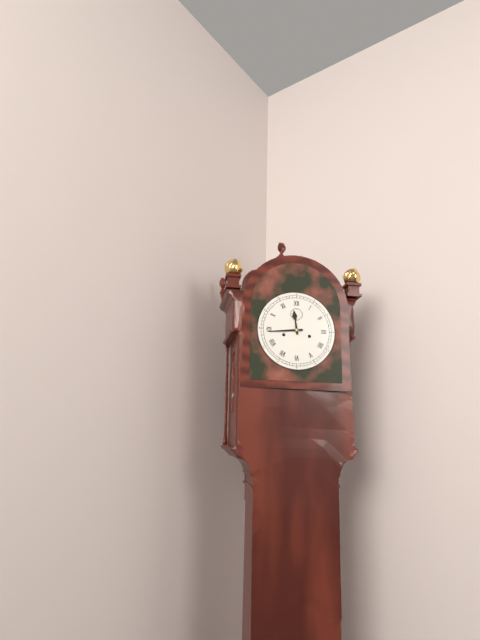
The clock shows {"hour": 11, "minute": 44}
